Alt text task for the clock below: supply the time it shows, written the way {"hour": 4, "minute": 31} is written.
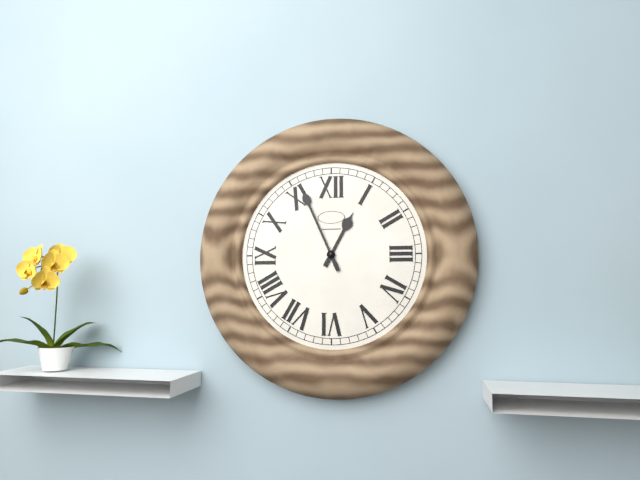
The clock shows {"hour": 12, "minute": 56}
